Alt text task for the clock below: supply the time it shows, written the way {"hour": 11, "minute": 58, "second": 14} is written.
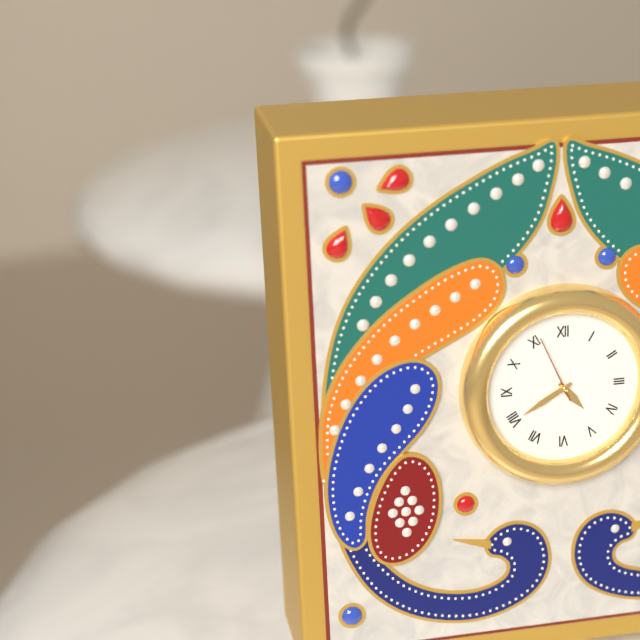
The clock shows {"hour": 4, "minute": 40, "second": 56}
